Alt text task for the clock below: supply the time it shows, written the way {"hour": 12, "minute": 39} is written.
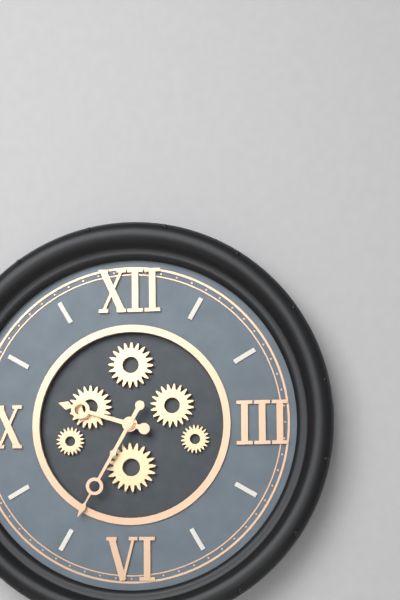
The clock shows {"hour": 9, "minute": 35}
